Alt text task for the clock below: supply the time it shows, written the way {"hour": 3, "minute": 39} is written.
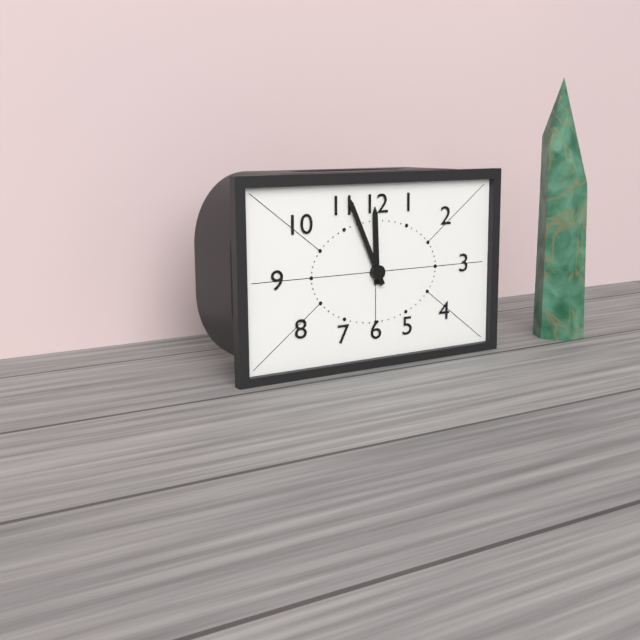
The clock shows {"hour": 11, "minute": 56}
